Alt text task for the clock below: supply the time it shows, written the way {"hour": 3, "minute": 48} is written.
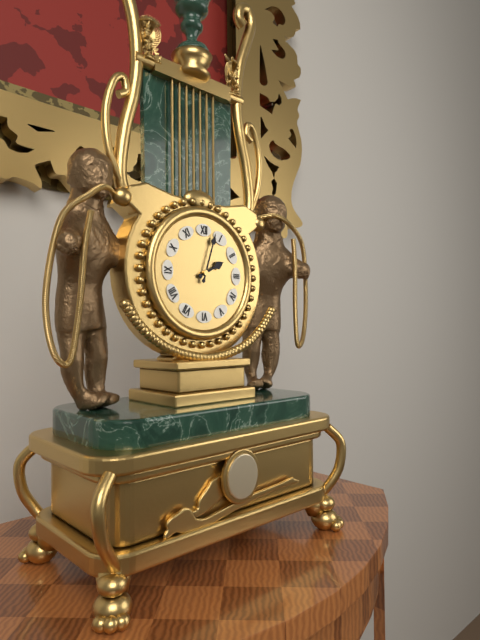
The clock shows {"hour": 2, "minute": 3}
